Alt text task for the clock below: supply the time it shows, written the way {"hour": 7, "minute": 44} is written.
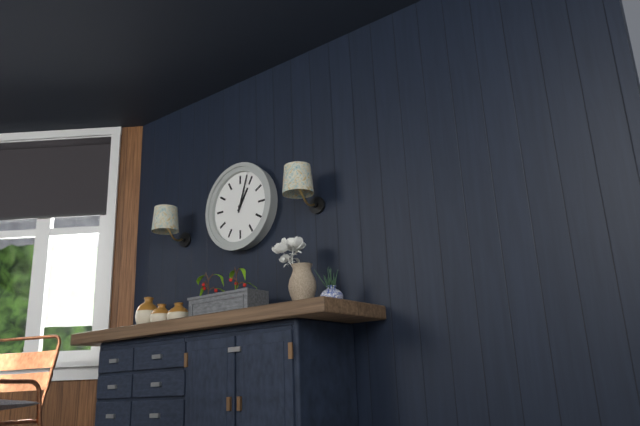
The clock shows {"hour": 1, "minute": 3}
